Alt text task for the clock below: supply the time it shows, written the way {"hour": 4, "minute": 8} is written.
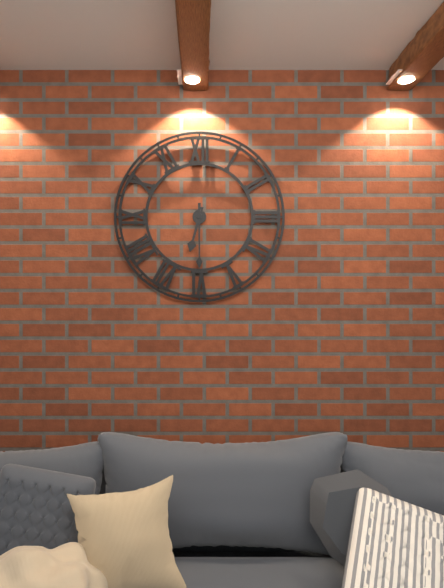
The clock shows {"hour": 6, "minute": 30}
